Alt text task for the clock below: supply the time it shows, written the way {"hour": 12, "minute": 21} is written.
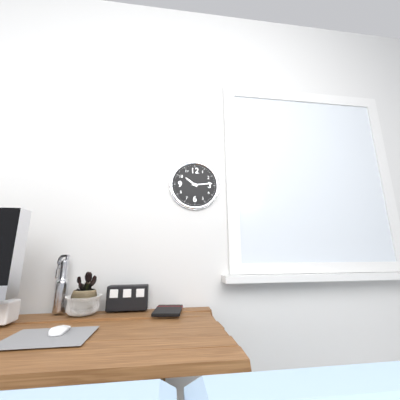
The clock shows {"hour": 10, "minute": 14}
